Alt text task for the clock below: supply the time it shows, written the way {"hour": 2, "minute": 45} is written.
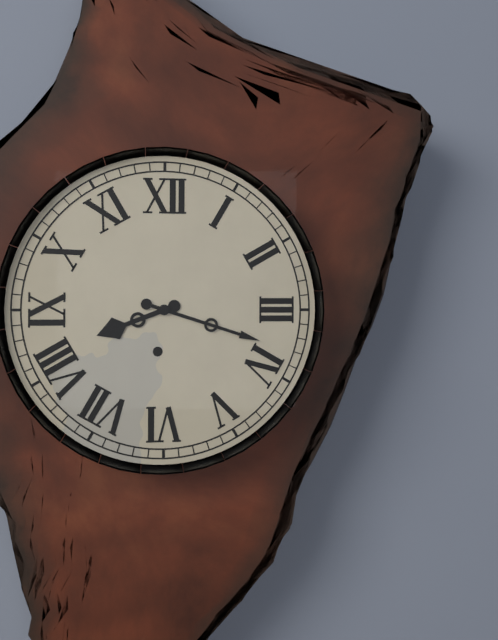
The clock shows {"hour": 8, "minute": 18}
